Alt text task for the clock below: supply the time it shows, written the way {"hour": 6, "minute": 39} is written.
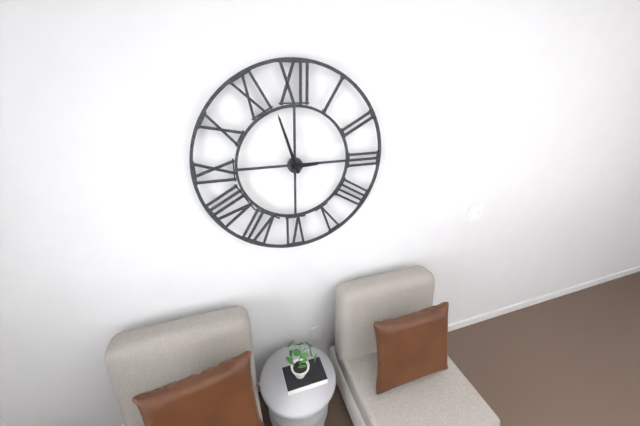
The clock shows {"hour": 2, "minute": 57}
